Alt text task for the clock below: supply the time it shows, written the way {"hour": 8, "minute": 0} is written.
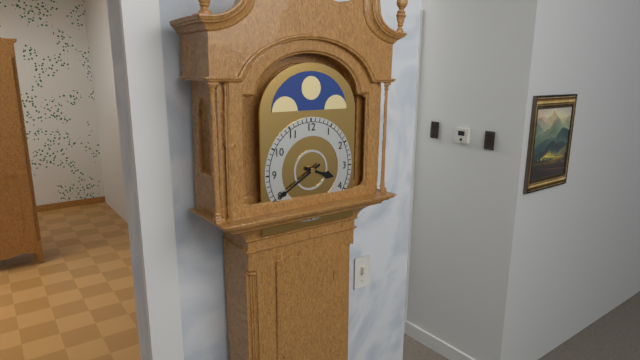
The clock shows {"hour": 3, "minute": 40}
